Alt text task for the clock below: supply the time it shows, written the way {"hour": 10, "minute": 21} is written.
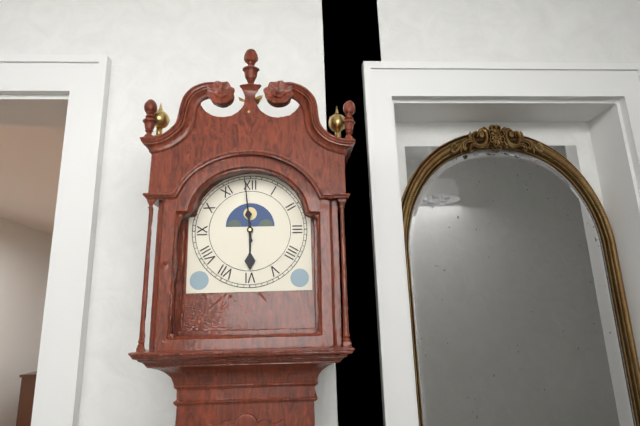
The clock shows {"hour": 5, "minute": 59}
